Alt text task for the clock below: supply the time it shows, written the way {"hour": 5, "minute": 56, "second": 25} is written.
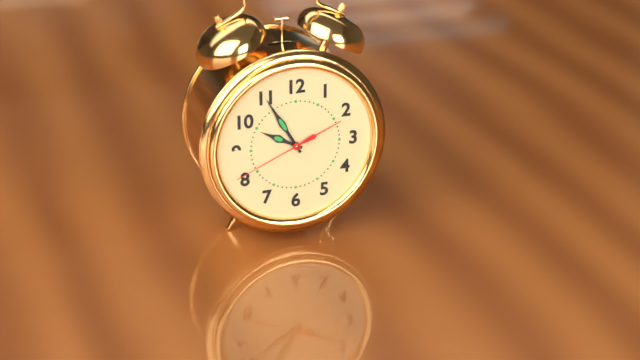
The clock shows {"hour": 9, "minute": 55, "second": 41}
